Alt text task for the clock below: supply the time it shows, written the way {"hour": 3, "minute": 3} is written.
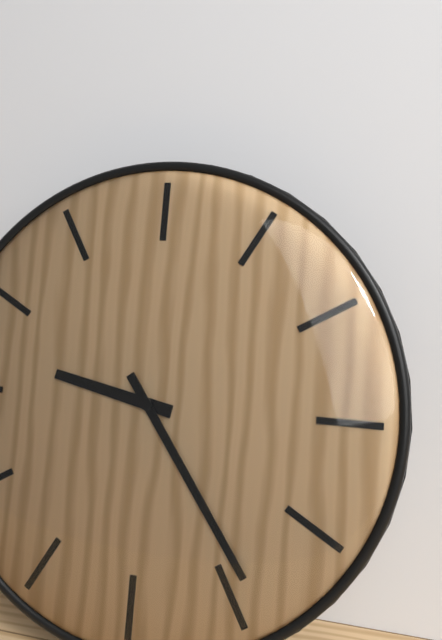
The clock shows {"hour": 9, "minute": 24}
